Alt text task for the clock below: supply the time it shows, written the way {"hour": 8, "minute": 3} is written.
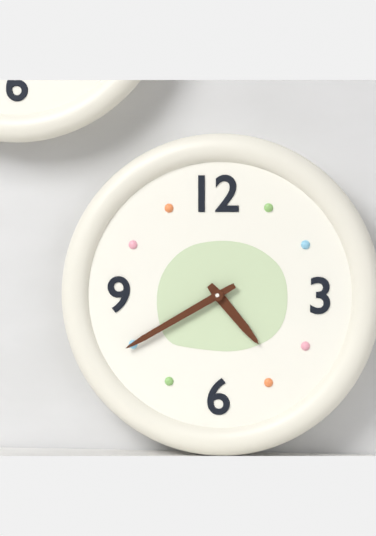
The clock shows {"hour": 4, "minute": 40}
